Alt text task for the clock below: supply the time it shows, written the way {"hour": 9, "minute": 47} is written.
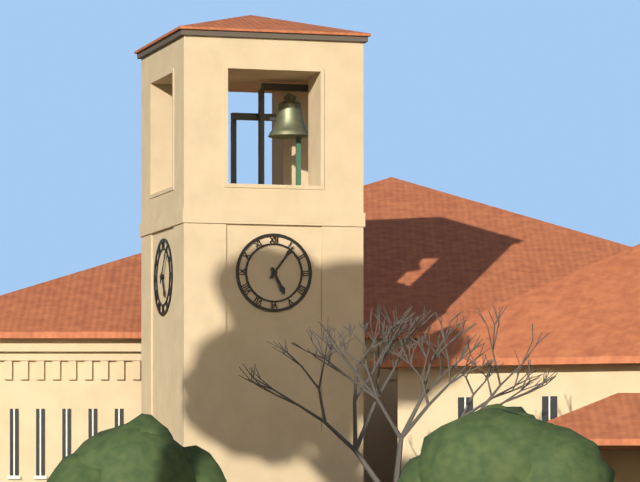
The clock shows {"hour": 5, "minute": 6}
